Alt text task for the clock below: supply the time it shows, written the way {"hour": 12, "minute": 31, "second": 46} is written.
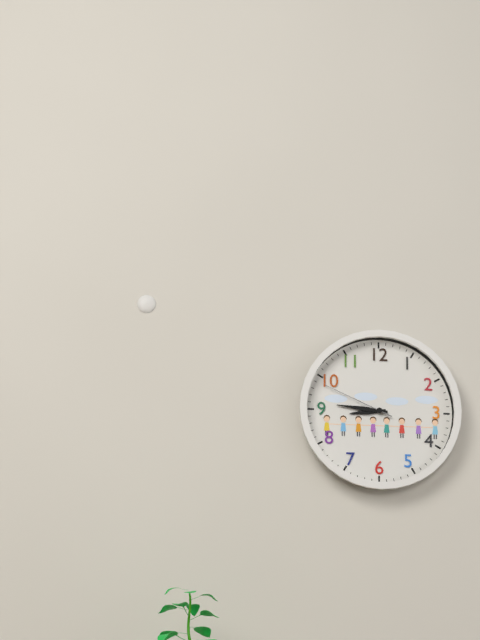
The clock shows {"hour": 8, "minute": 46, "second": 49}
